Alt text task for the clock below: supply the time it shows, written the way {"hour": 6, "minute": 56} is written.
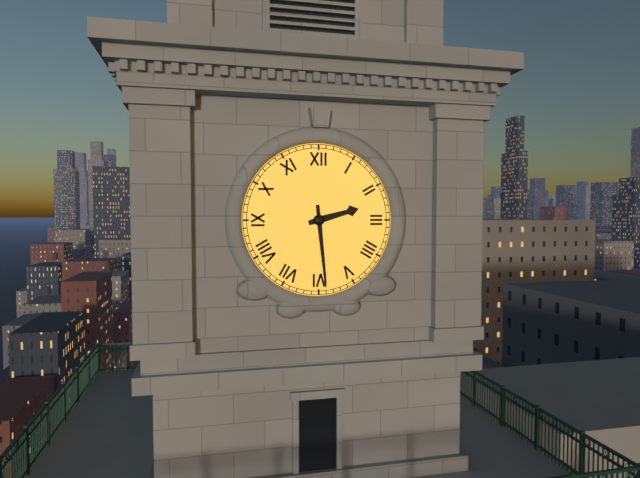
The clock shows {"hour": 2, "minute": 29}
